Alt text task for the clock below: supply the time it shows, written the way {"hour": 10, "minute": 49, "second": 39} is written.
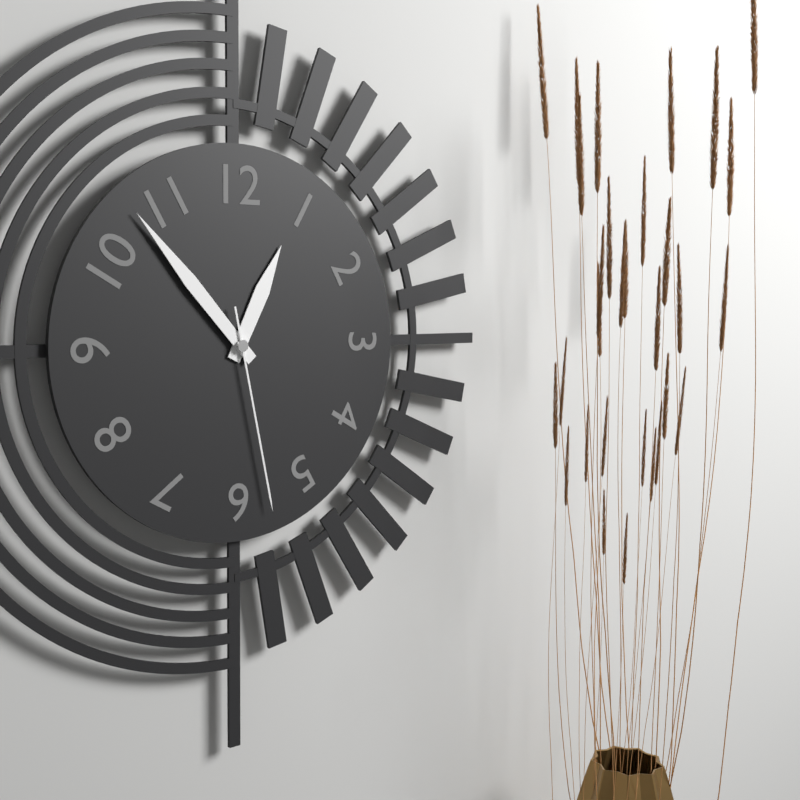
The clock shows {"hour": 12, "minute": 53, "second": 28}
